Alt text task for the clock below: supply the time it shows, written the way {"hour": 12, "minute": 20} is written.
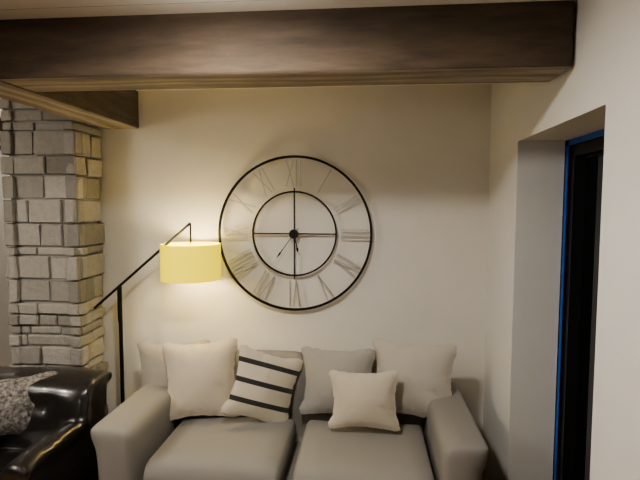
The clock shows {"hour": 5, "minute": 36}
